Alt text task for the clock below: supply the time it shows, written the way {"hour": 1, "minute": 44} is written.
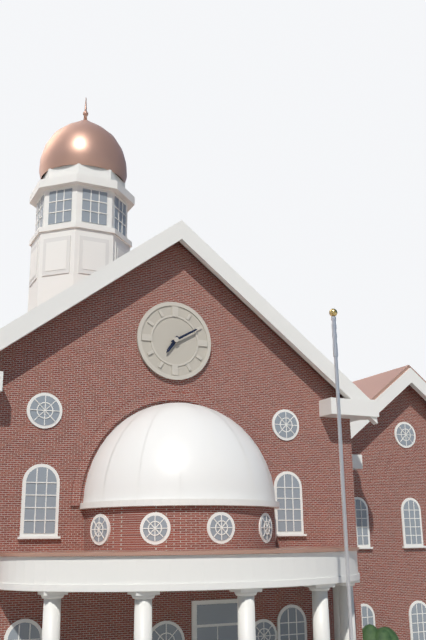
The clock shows {"hour": 7, "minute": 10}
